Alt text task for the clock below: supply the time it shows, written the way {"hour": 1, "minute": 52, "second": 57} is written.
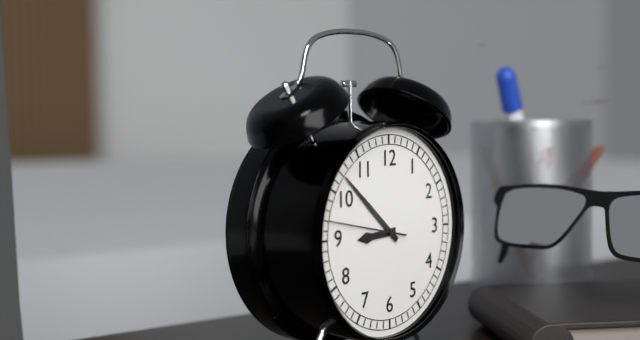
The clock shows {"hour": 8, "minute": 52, "second": 47}
